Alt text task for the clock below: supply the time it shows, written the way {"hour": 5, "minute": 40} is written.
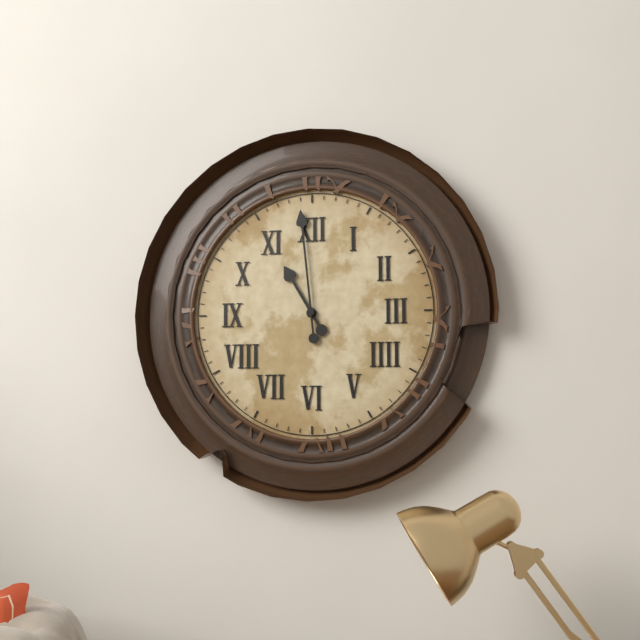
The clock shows {"hour": 10, "minute": 59}
